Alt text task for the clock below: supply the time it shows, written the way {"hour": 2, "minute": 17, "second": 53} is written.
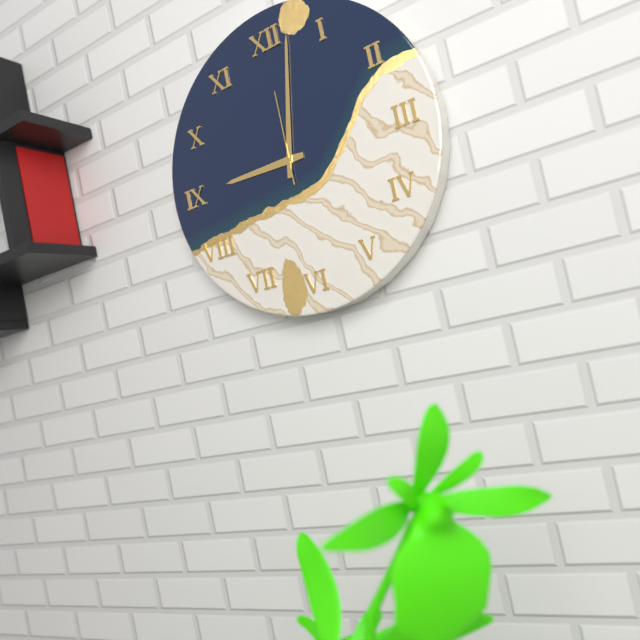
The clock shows {"hour": 9, "minute": 2, "second": 0}
